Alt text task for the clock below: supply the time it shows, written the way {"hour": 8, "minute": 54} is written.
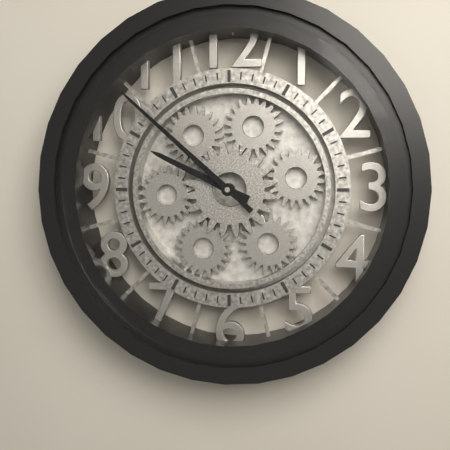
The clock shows {"hour": 9, "minute": 52}
